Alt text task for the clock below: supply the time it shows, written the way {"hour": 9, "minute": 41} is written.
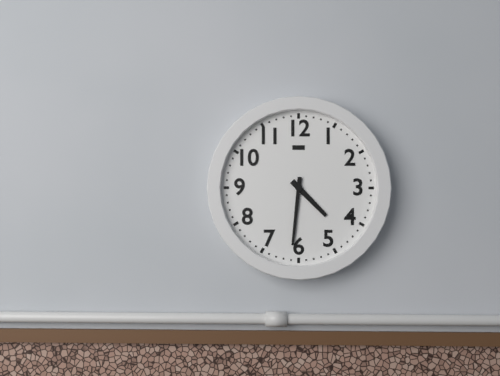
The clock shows {"hour": 4, "minute": 31}
